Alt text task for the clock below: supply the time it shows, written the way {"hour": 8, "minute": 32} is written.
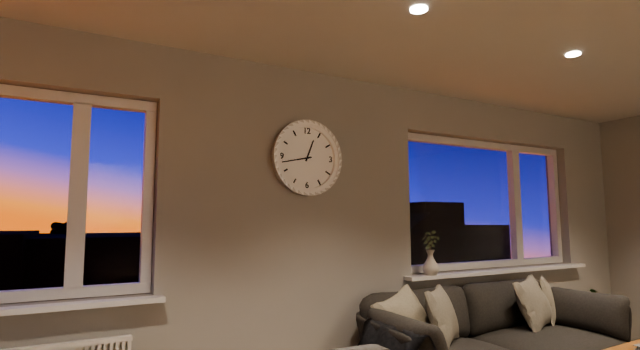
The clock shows {"hour": 12, "minute": 43}
